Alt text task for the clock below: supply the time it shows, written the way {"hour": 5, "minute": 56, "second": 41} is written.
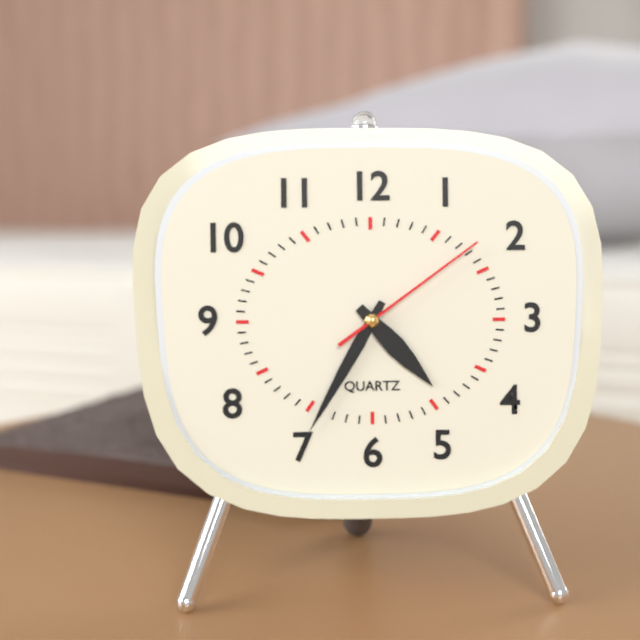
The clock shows {"hour": 4, "minute": 35, "second": 9}
